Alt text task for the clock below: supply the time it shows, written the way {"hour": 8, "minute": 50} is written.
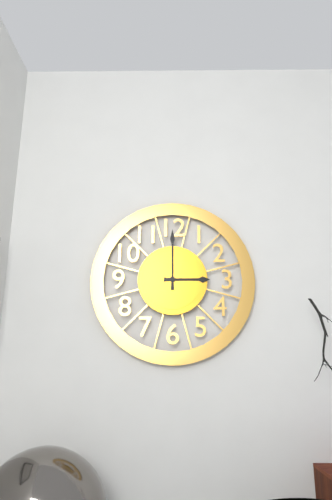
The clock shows {"hour": 3, "minute": 0}
